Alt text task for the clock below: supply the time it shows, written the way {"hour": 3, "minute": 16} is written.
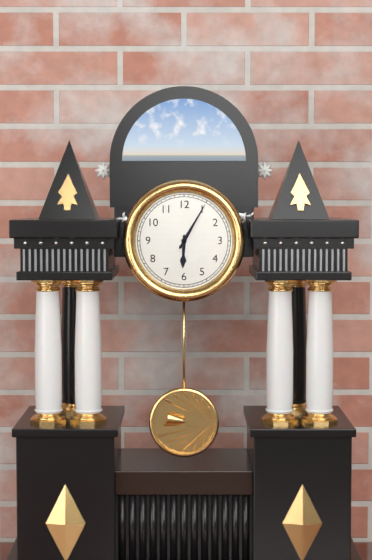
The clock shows {"hour": 6, "minute": 5}
